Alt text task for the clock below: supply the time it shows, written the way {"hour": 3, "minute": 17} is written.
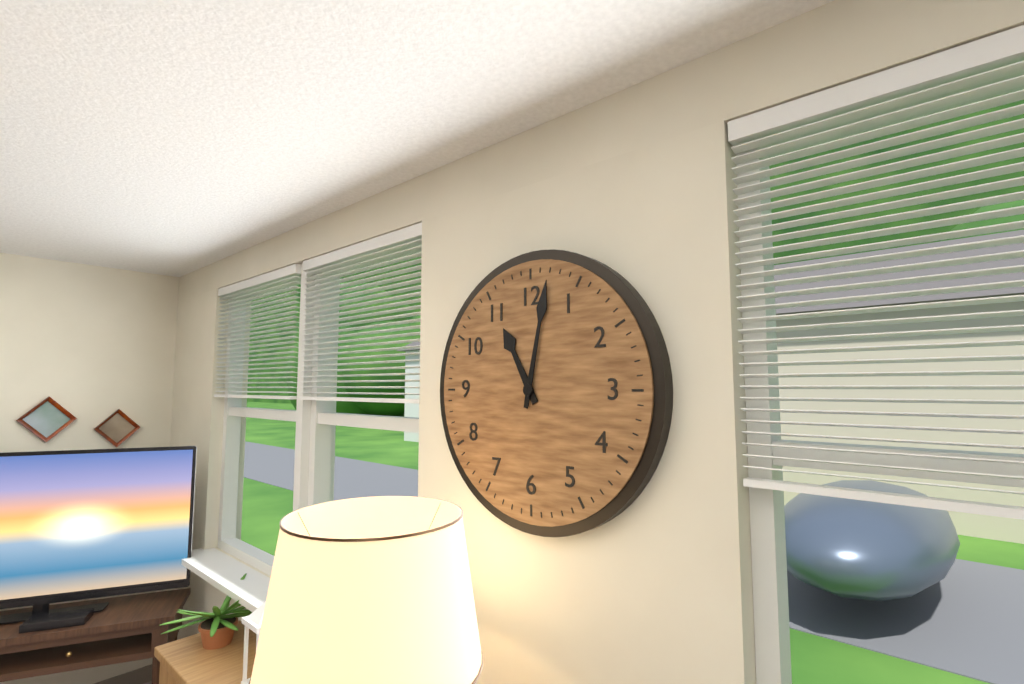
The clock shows {"hour": 11, "minute": 2}
